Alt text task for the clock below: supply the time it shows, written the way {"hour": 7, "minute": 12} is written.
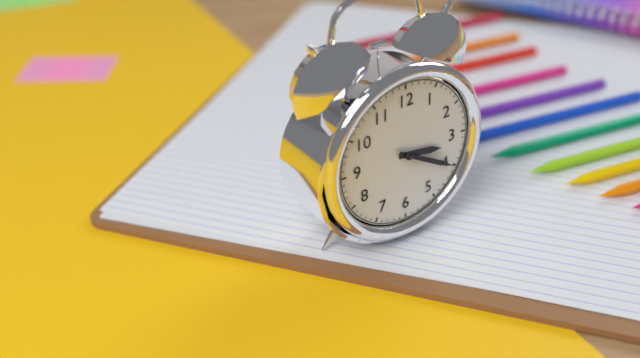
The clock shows {"hour": 3, "minute": 20}
